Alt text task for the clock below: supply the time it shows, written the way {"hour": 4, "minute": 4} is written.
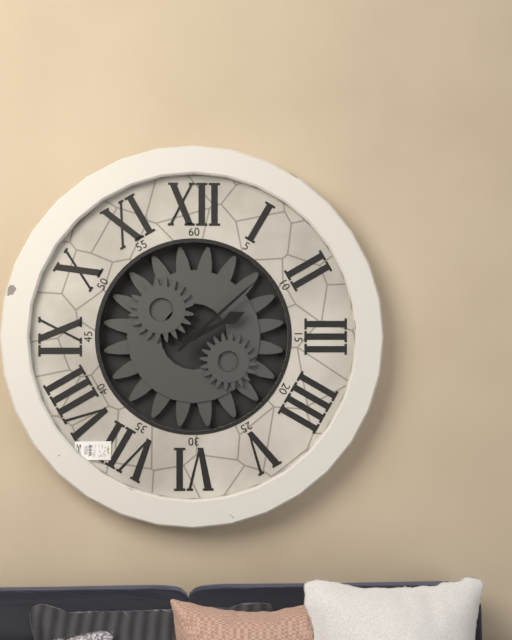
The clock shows {"hour": 2, "minute": 8}
